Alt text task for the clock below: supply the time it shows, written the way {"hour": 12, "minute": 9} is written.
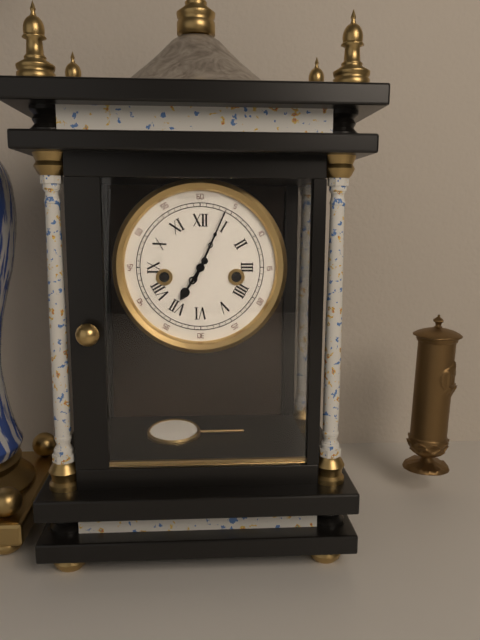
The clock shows {"hour": 7, "minute": 4}
